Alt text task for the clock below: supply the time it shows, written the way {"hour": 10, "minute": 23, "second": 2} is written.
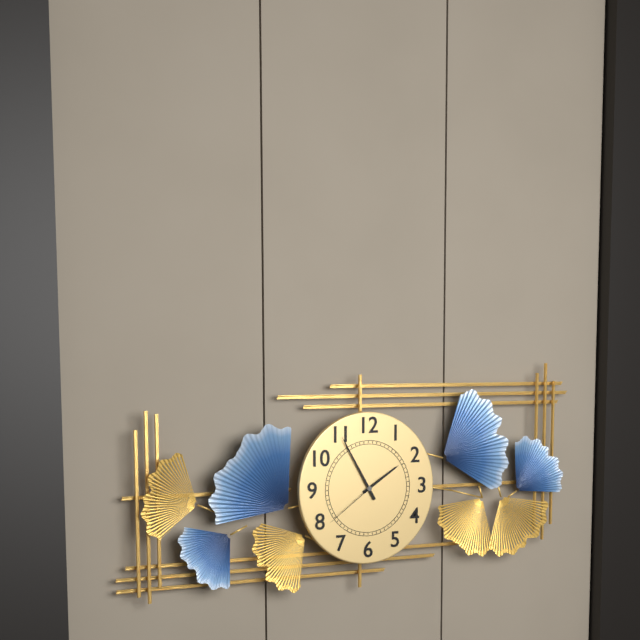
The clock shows {"hour": 1, "minute": 55, "second": 39}
